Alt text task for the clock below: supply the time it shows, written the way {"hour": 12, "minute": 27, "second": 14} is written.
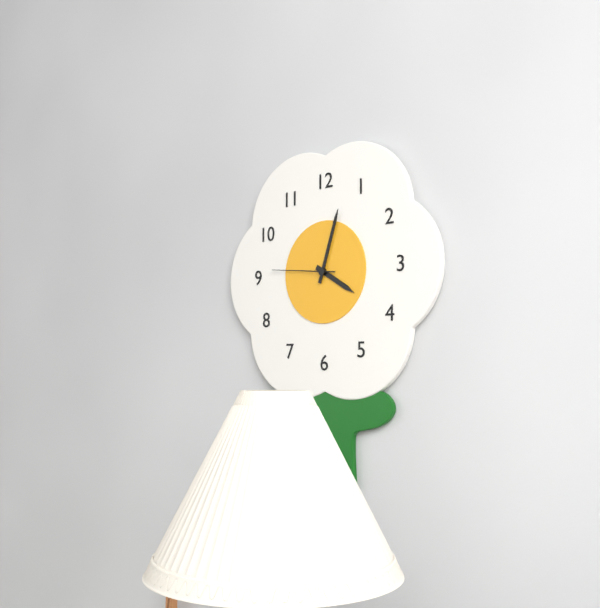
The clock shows {"hour": 4, "minute": 3, "second": 46}
